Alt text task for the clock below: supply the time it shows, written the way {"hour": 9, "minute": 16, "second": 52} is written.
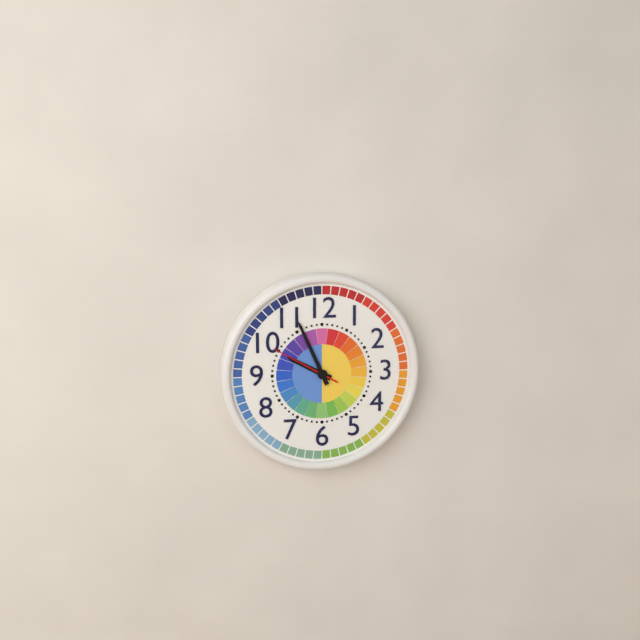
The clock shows {"hour": 9, "minute": 56, "second": 50}
